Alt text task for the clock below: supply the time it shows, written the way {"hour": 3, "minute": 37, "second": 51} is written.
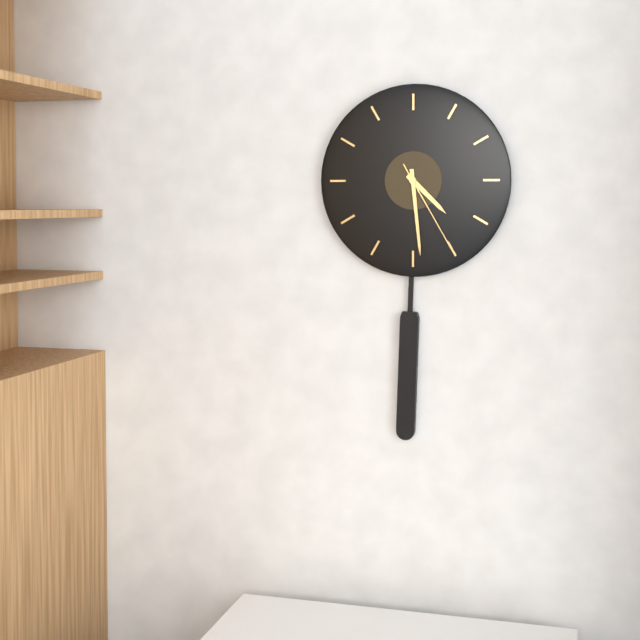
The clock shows {"hour": 4, "minute": 29, "second": 25}
